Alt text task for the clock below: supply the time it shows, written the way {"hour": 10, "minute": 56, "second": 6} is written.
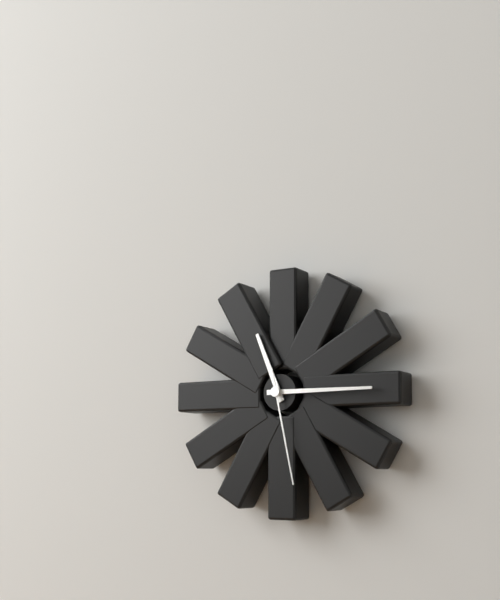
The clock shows {"hour": 11, "minute": 15, "second": 28}
